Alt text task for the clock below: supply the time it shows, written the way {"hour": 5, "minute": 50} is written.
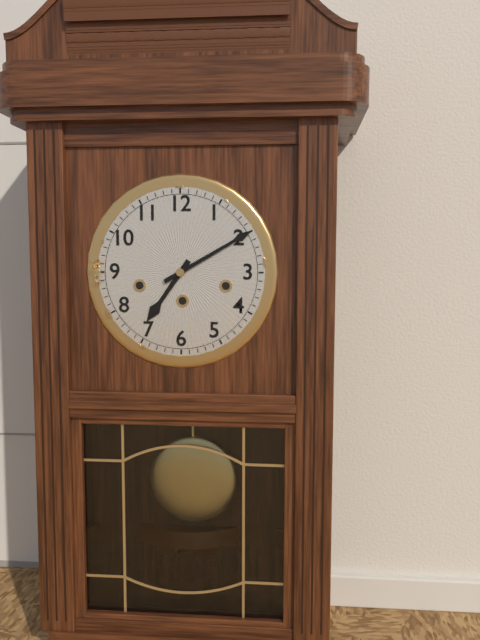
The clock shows {"hour": 7, "minute": 10}
